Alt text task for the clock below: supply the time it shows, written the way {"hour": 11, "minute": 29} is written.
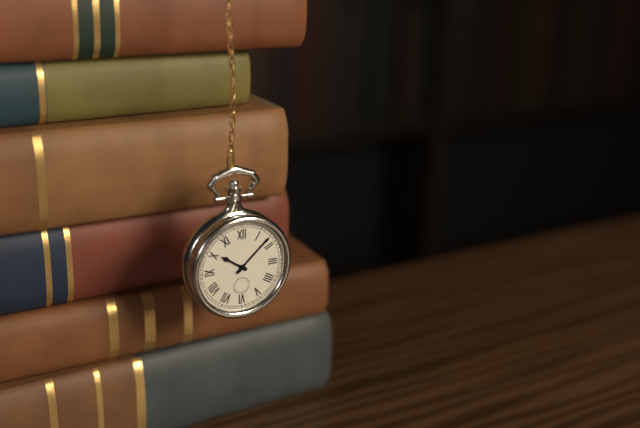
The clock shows {"hour": 10, "minute": 8}
